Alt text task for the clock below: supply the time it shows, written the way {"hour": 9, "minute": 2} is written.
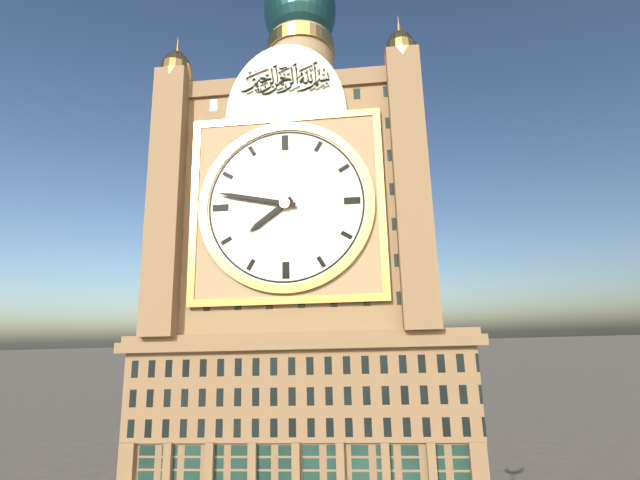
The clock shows {"hour": 7, "minute": 47}
